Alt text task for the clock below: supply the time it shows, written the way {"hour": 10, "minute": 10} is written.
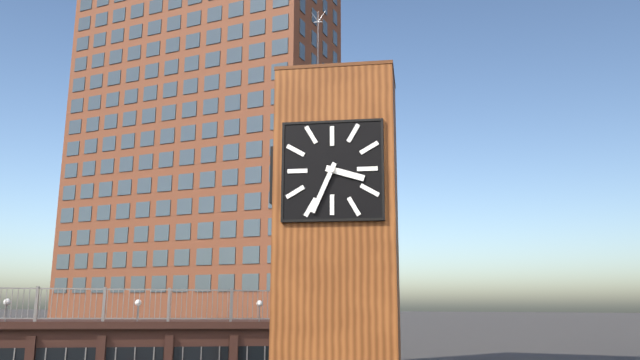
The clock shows {"hour": 3, "minute": 34}
